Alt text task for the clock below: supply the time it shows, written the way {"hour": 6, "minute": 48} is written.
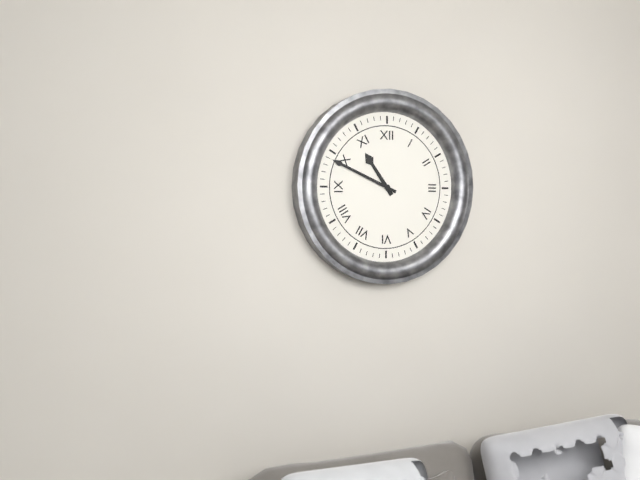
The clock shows {"hour": 10, "minute": 49}
